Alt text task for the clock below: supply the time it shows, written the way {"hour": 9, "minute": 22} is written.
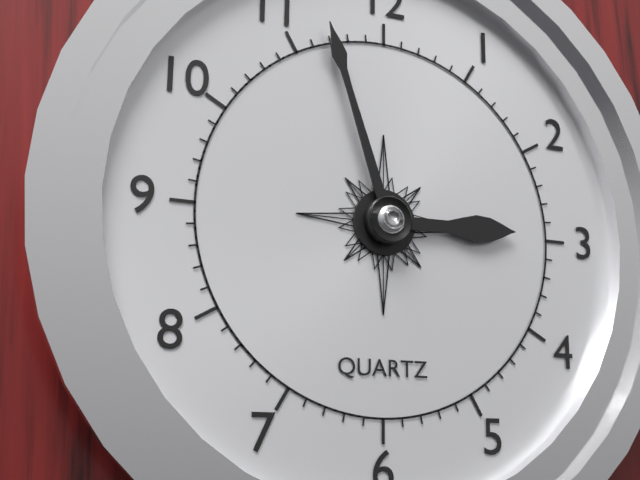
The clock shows {"hour": 2, "minute": 57}
